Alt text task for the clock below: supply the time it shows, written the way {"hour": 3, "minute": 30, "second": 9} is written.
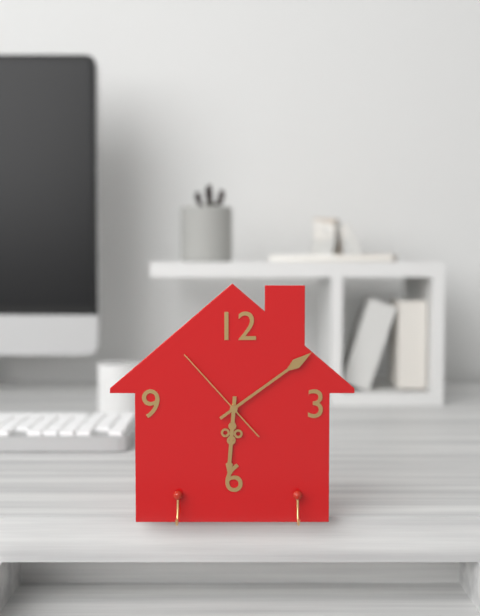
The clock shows {"hour": 6, "minute": 9, "second": 53}
